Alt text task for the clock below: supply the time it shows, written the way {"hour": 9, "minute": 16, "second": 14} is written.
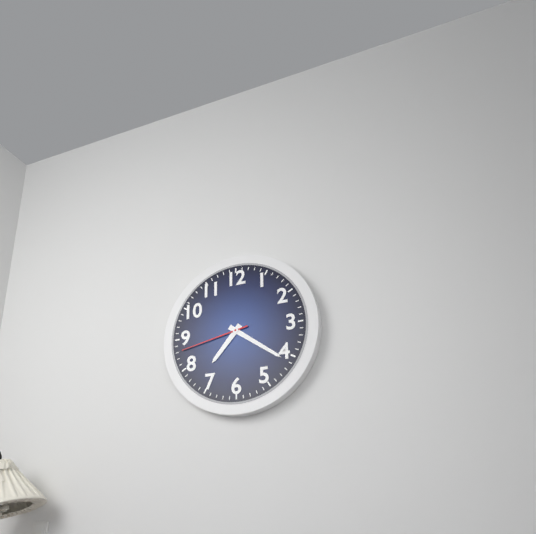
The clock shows {"hour": 7, "minute": 21, "second": 43}
